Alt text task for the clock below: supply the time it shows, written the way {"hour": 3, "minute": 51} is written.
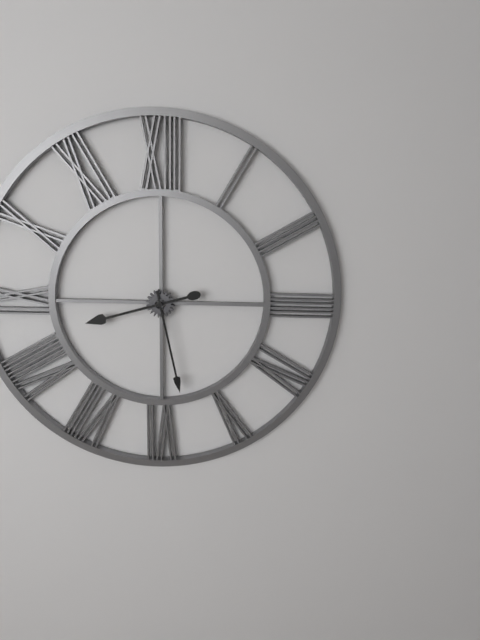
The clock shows {"hour": 8, "minute": 28}
